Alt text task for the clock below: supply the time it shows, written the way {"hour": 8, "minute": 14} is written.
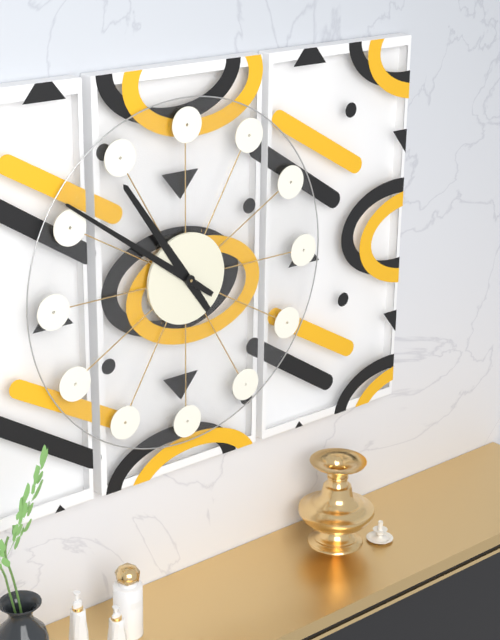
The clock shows {"hour": 10, "minute": 51}
